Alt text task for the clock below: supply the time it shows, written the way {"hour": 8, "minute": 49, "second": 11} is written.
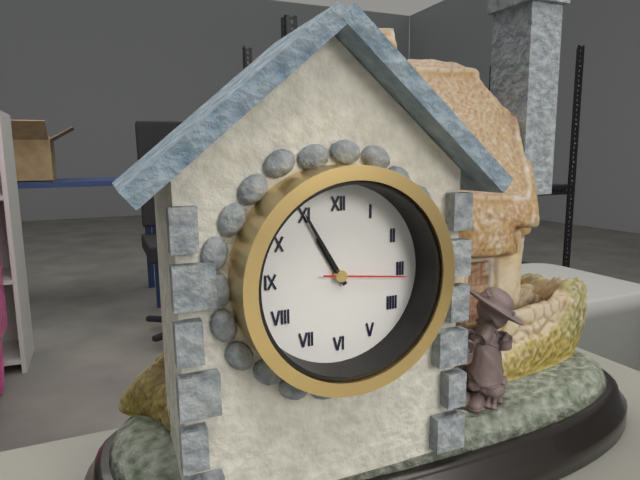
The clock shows {"hour": 10, "minute": 55, "second": 16}
